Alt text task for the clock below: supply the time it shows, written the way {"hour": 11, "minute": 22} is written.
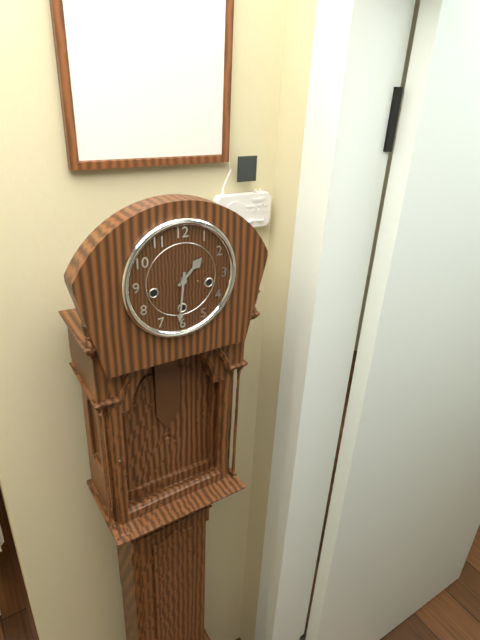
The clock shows {"hour": 1, "minute": 31}
